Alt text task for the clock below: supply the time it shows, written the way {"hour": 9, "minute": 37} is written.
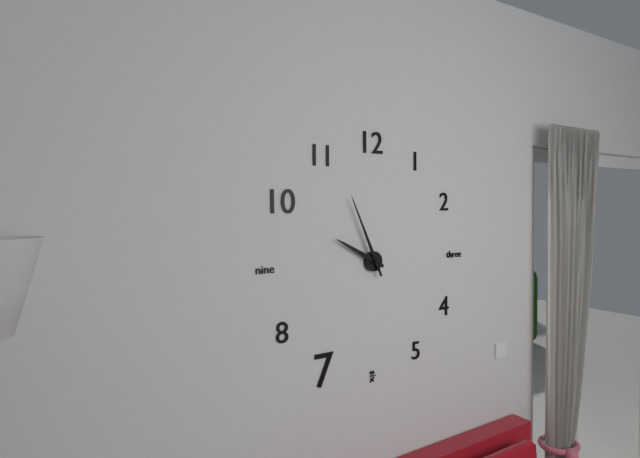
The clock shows {"hour": 9, "minute": 56}
